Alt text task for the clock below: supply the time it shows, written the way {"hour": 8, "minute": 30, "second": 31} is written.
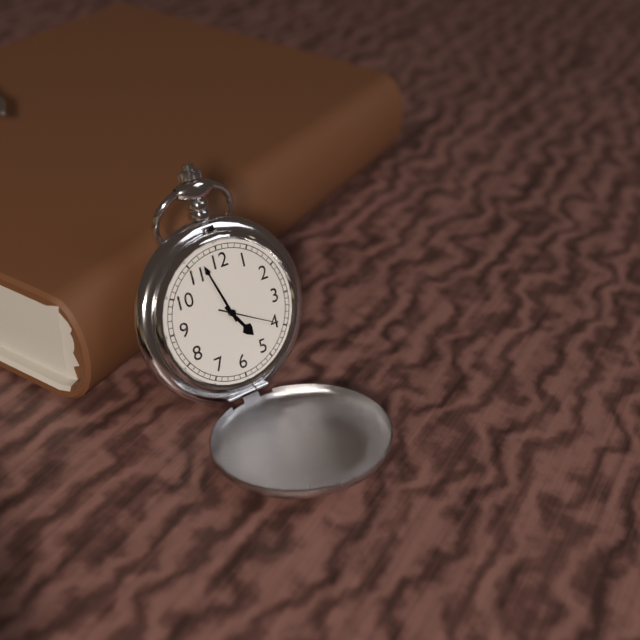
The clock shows {"hour": 4, "minute": 57, "second": 20}
